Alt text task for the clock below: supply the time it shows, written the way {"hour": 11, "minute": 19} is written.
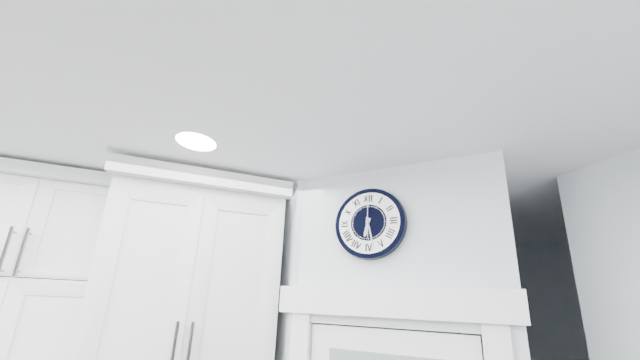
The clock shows {"hour": 6, "minute": 28}
